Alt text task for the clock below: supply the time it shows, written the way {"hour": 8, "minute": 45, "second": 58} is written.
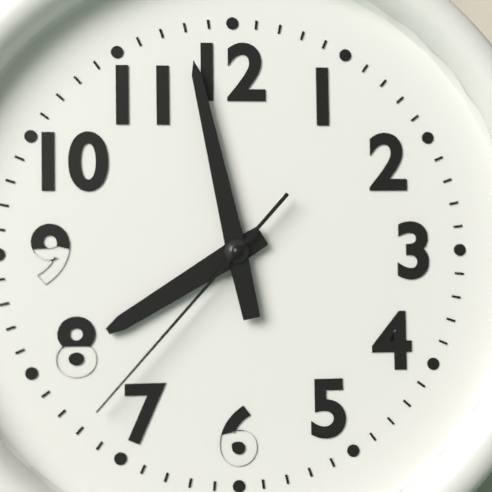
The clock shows {"hour": 7, "minute": 58, "second": 37}
